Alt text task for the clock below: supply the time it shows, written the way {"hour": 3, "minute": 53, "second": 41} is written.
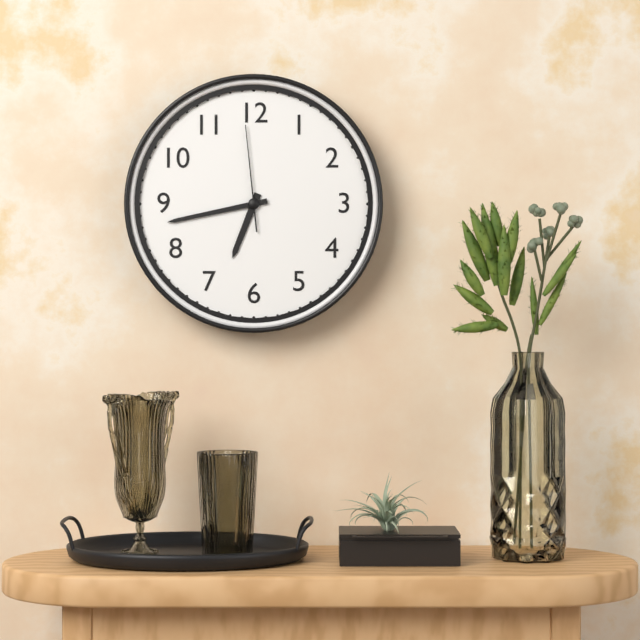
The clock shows {"hour": 6, "minute": 43, "second": 59}
